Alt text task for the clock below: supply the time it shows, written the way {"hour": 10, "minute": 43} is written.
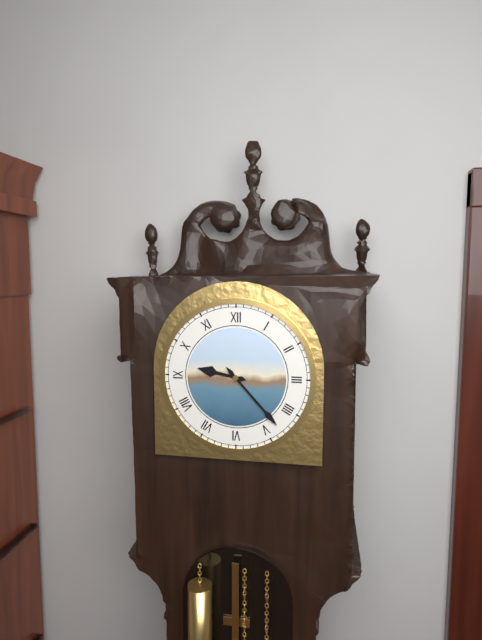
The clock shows {"hour": 9, "minute": 23}
